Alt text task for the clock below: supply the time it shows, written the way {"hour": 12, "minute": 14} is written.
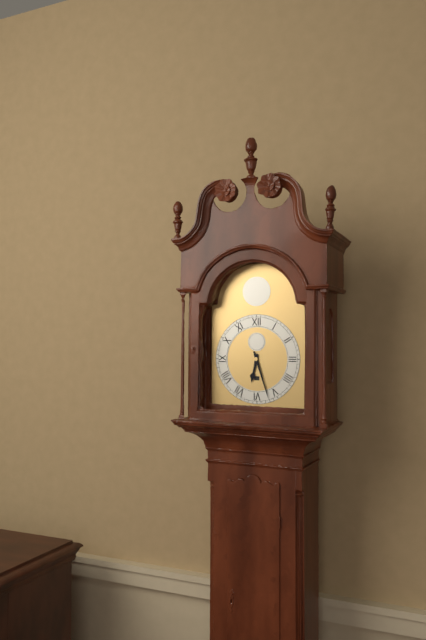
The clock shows {"hour": 6, "minute": 27}
